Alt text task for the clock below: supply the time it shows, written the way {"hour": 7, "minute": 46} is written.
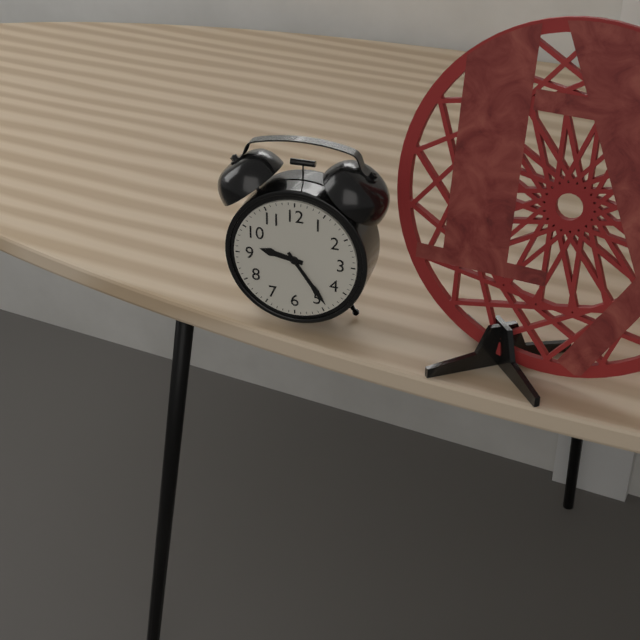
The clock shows {"hour": 9, "minute": 24}
